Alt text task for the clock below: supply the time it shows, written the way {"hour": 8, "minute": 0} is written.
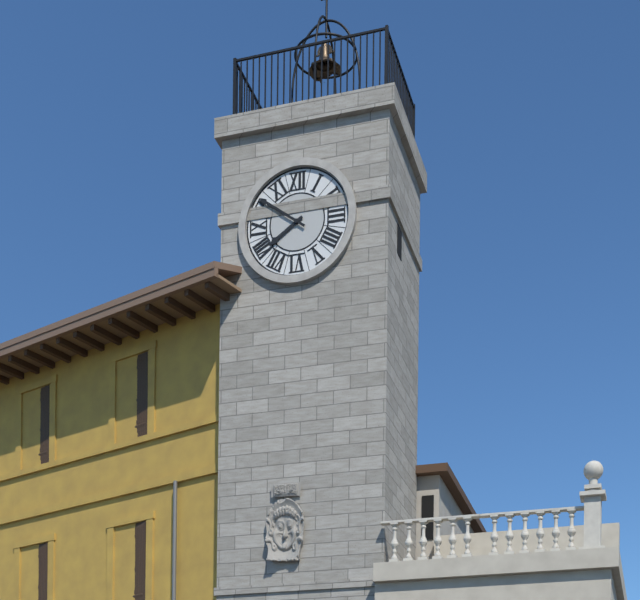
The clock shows {"hour": 7, "minute": 51}
